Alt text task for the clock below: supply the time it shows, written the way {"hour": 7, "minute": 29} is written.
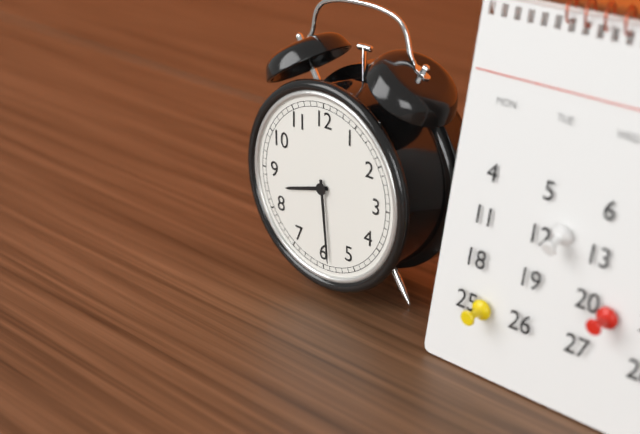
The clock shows {"hour": 8, "minute": 29}
